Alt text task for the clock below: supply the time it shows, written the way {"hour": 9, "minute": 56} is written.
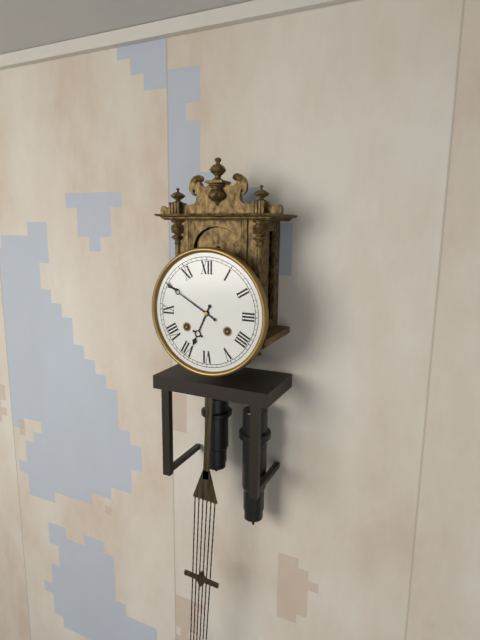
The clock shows {"hour": 6, "minute": 50}
